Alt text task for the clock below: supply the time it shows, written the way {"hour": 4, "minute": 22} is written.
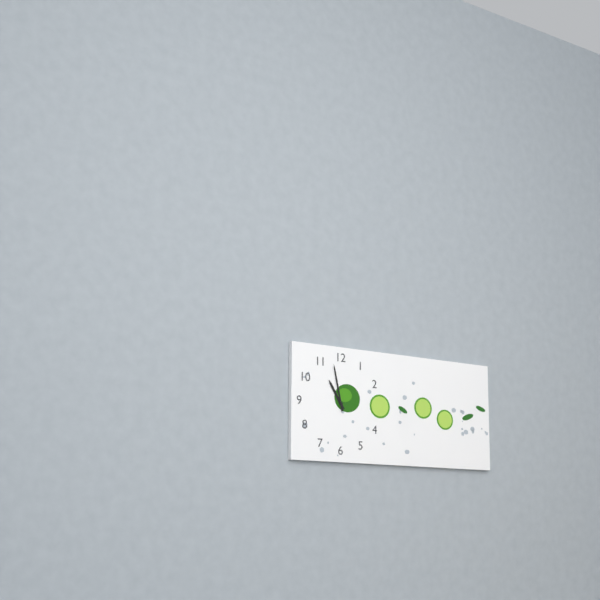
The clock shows {"hour": 10, "minute": 58}
